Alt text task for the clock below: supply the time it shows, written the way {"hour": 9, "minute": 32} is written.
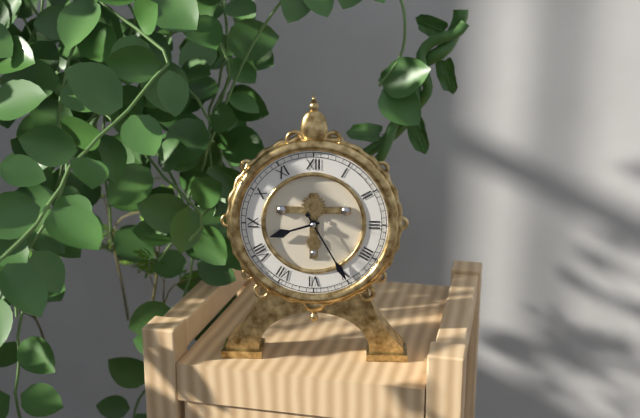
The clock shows {"hour": 8, "minute": 25}
